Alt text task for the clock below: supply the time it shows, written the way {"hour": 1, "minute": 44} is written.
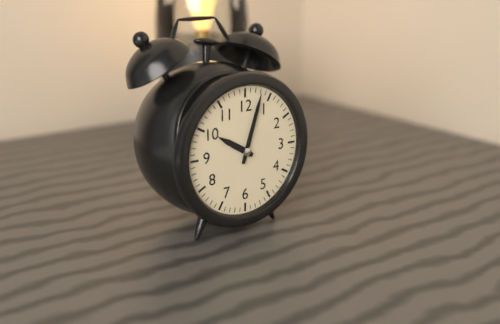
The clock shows {"hour": 10, "minute": 3}
